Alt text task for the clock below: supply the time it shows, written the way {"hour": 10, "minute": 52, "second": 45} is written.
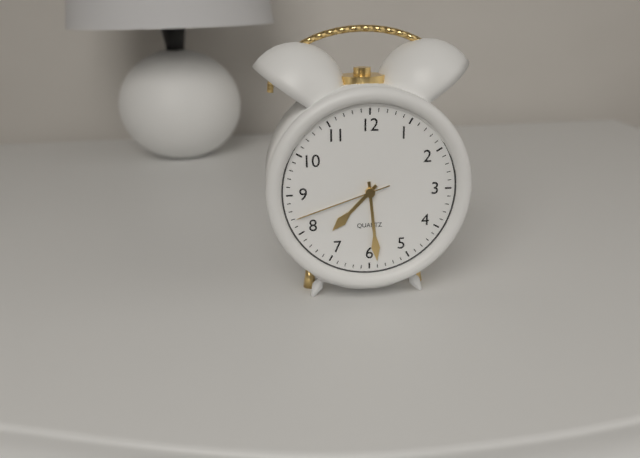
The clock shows {"hour": 7, "minute": 29, "second": 42}
